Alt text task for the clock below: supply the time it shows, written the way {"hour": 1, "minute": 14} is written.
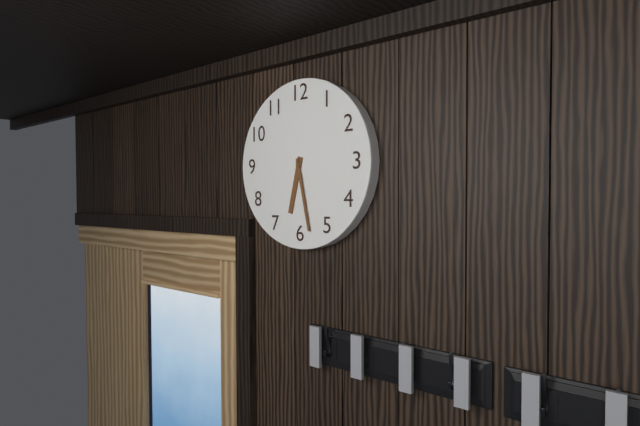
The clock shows {"hour": 6, "minute": 28}
